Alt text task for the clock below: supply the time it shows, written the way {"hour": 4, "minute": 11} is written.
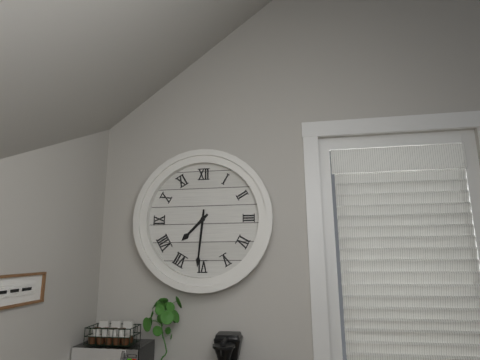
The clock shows {"hour": 7, "minute": 31}
